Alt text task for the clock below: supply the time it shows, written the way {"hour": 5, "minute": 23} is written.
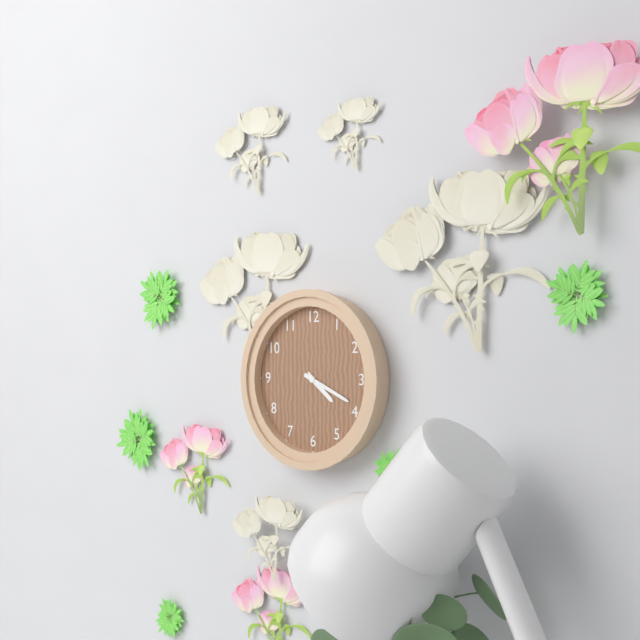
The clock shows {"hour": 4, "minute": 19}
